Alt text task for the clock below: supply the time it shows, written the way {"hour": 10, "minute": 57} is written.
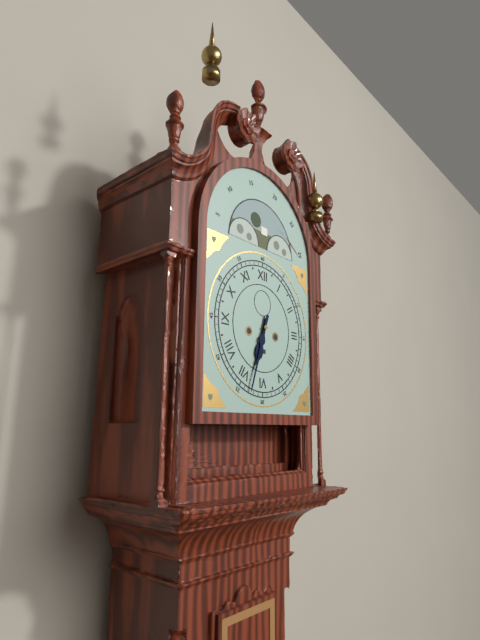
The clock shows {"hour": 6, "minute": 33}
